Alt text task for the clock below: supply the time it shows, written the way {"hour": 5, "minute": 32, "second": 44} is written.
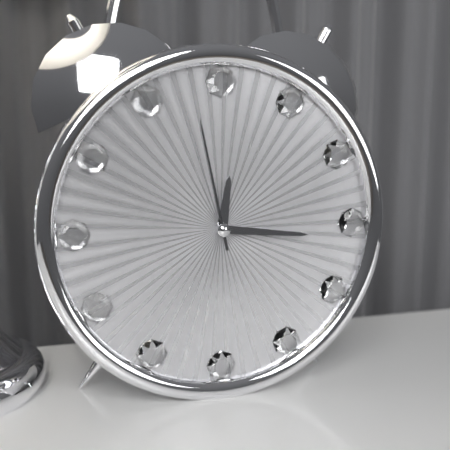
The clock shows {"hour": 12, "minute": 16, "second": 58}
